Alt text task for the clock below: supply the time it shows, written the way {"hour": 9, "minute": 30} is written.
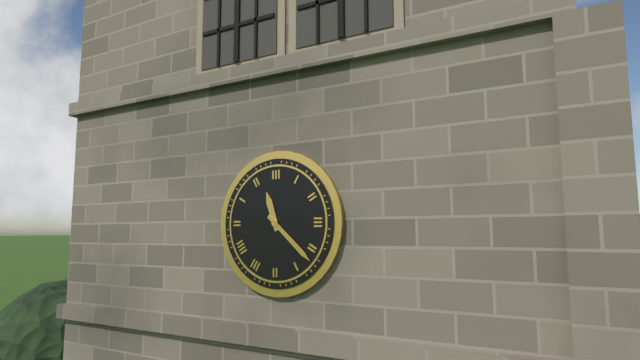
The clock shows {"hour": 11, "minute": 22}
